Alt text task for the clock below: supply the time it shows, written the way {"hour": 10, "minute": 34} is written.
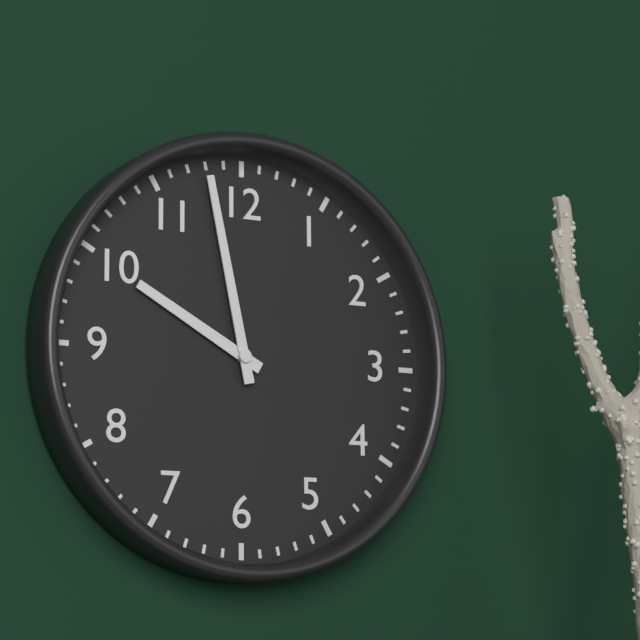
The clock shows {"hour": 9, "minute": 58}
